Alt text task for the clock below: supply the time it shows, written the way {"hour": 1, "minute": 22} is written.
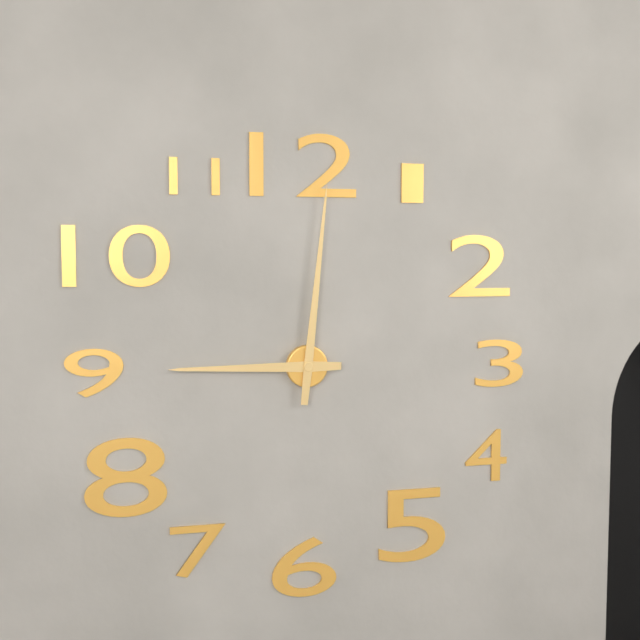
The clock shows {"hour": 9, "minute": 1}
